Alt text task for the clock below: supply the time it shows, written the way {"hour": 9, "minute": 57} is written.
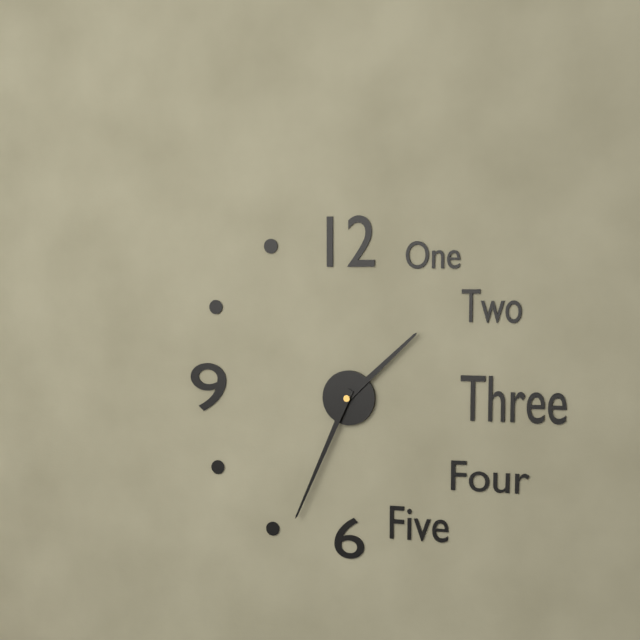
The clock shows {"hour": 1, "minute": 34}
